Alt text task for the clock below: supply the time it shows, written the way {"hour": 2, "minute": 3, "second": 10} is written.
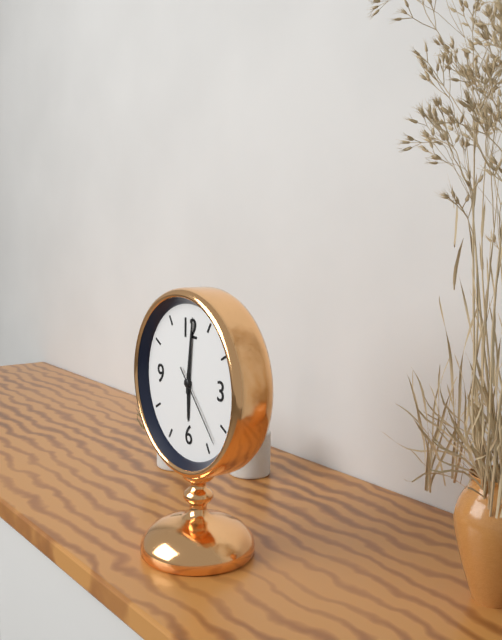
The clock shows {"hour": 6, "minute": 1, "second": 23}
